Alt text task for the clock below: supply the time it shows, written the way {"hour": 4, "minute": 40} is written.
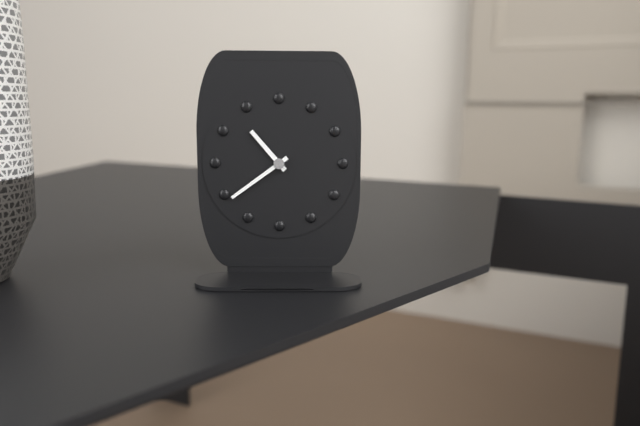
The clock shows {"hour": 10, "minute": 39}
